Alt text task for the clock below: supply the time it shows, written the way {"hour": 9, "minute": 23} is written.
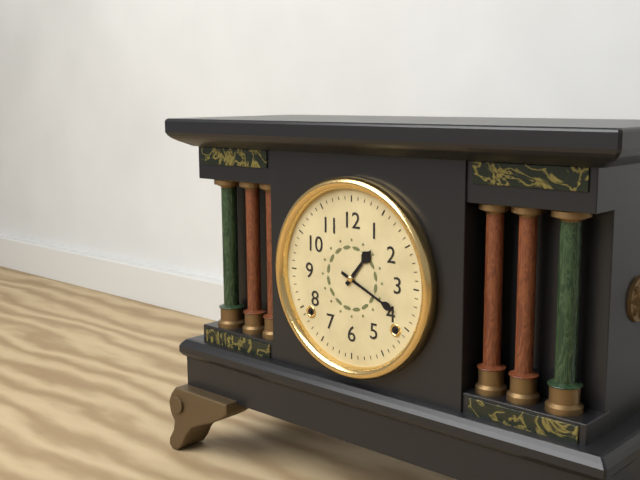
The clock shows {"hour": 1, "minute": 19}
